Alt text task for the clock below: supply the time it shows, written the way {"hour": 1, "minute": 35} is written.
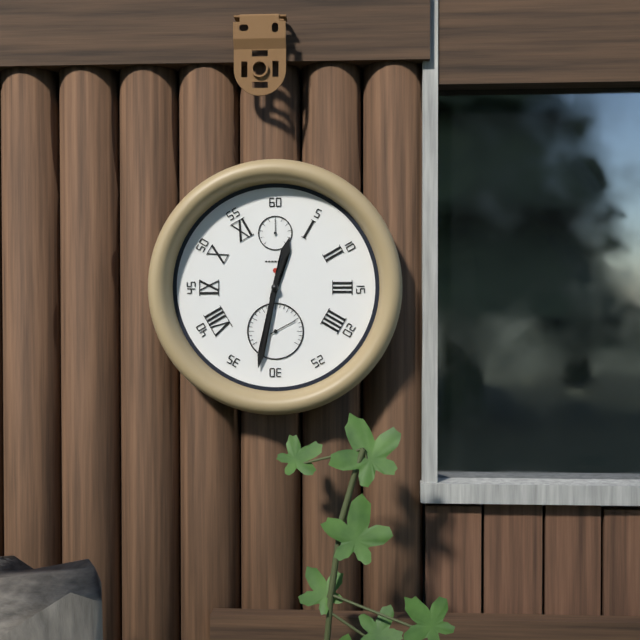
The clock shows {"hour": 12, "minute": 32}
